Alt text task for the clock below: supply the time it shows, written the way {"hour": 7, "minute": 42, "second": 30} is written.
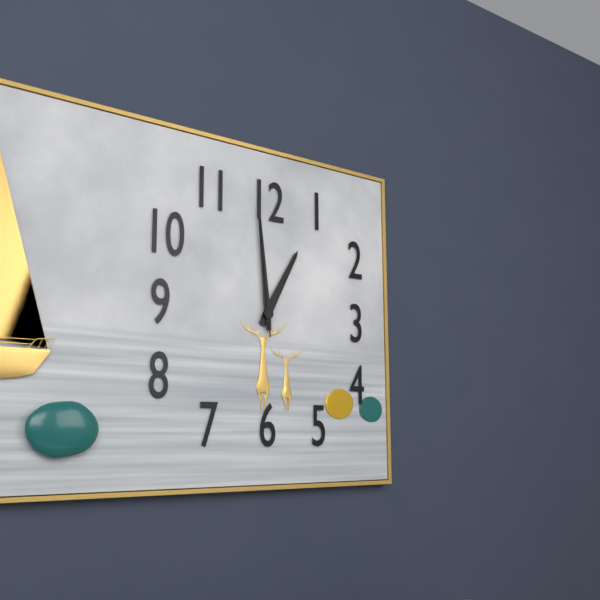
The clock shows {"hour": 12, "minute": 59, "second": 59}
